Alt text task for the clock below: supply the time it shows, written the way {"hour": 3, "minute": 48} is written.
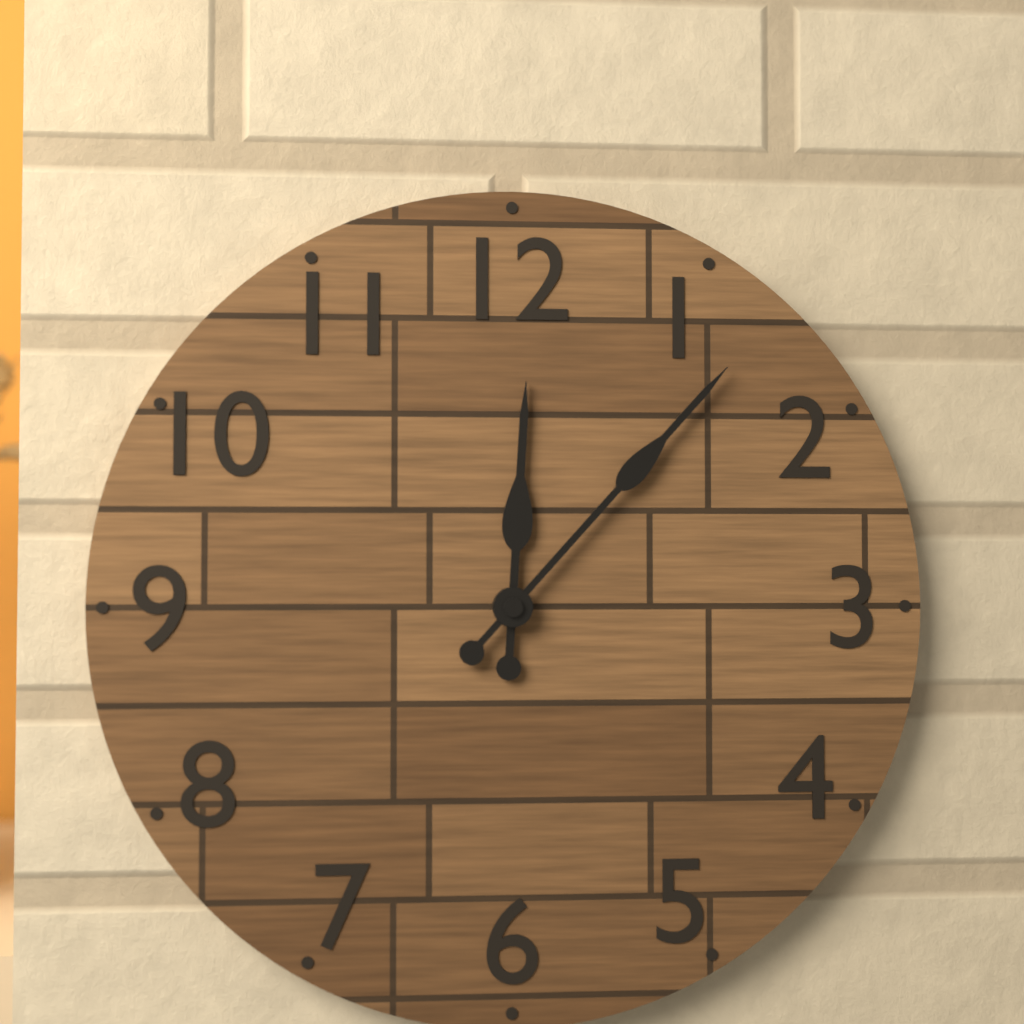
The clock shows {"hour": 12, "minute": 7}
